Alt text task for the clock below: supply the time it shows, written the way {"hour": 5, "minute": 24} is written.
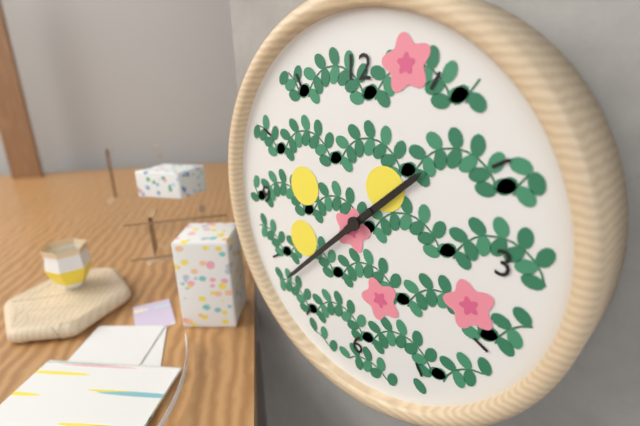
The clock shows {"hour": 1, "minute": 38}
